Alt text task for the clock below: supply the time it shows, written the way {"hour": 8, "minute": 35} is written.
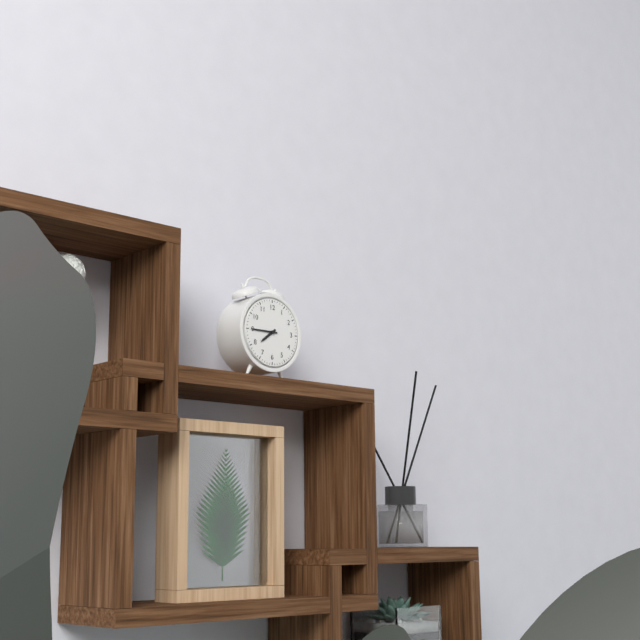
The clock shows {"hour": 7, "minute": 45}
